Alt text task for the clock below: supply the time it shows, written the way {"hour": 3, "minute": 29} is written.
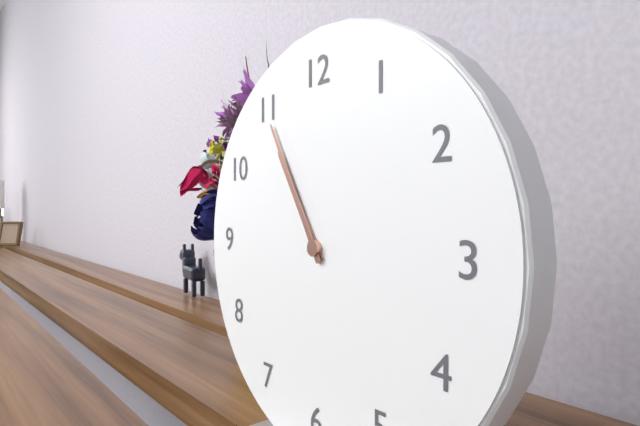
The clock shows {"hour": 10, "minute": 55}
